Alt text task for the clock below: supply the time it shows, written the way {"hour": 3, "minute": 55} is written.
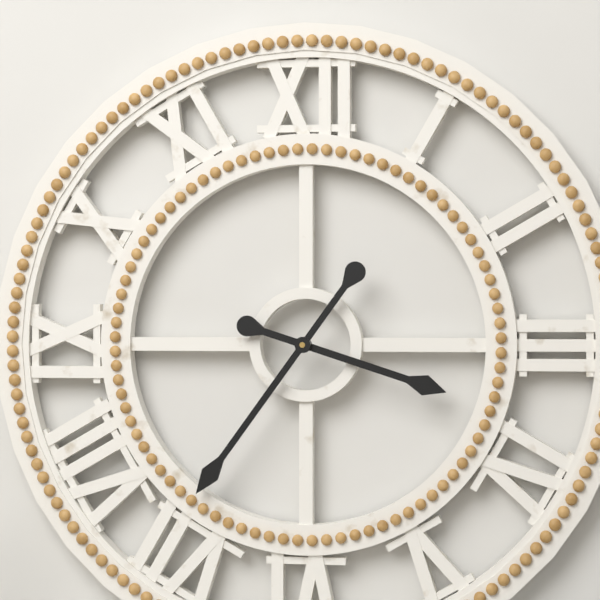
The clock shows {"hour": 3, "minute": 36}
